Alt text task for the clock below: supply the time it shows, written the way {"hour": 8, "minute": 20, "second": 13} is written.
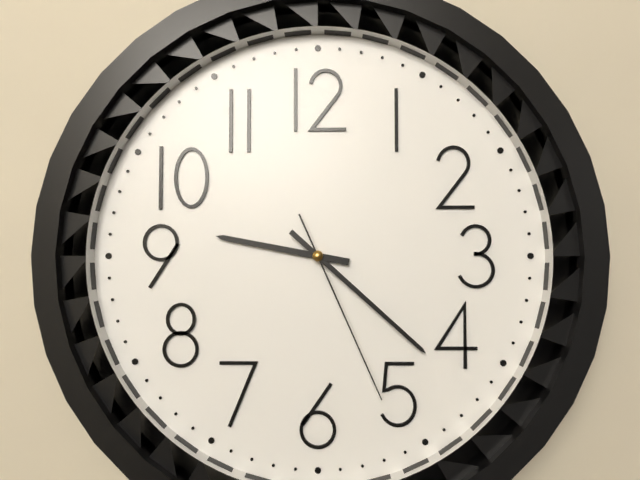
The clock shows {"hour": 9, "minute": 22, "second": 26}
